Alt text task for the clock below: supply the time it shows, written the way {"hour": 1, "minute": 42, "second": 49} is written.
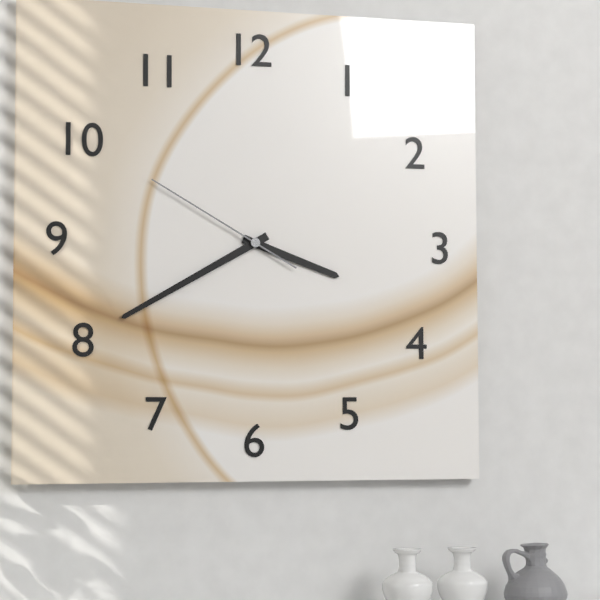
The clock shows {"hour": 3, "minute": 40, "second": 50}
